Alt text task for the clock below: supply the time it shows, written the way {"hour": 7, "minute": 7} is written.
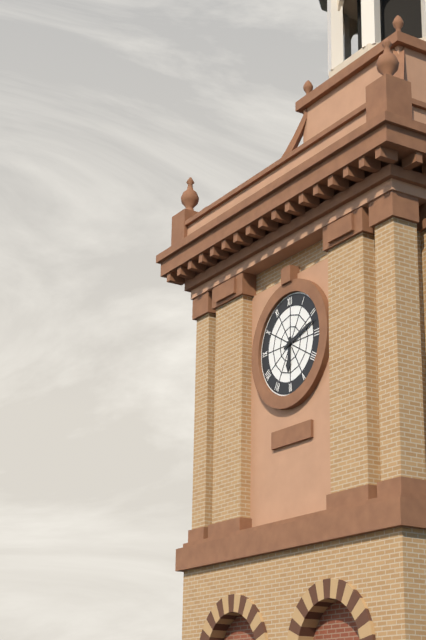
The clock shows {"hour": 6, "minute": 12}
